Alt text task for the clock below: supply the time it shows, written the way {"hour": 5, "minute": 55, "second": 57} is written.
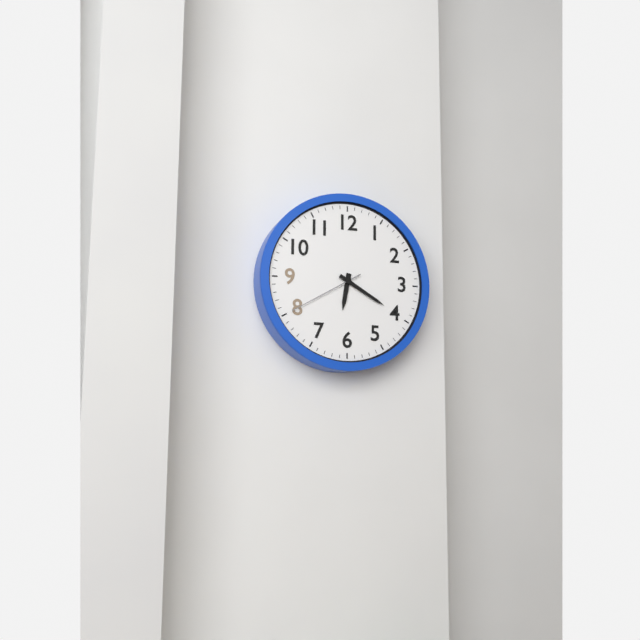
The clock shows {"hour": 6, "minute": 20, "second": 40}
